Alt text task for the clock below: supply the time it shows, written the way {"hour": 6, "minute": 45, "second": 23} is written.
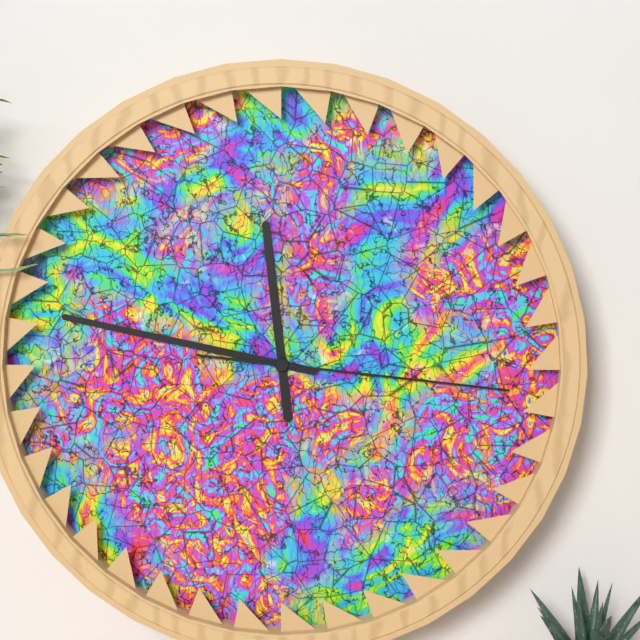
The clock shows {"hour": 11, "minute": 47, "second": 16}
